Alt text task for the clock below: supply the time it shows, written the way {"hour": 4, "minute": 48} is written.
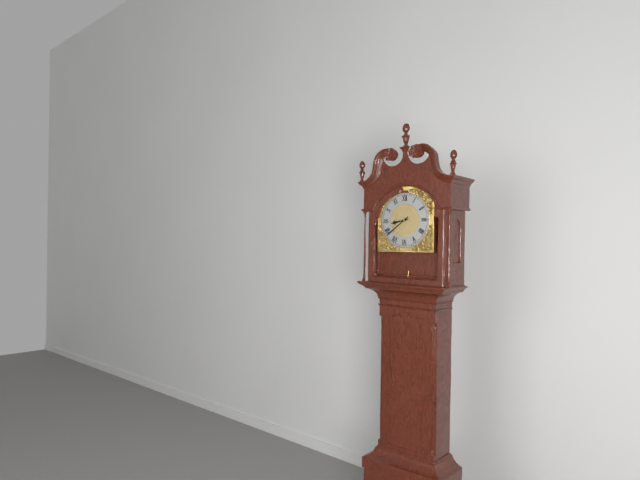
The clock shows {"hour": 8, "minute": 39}
